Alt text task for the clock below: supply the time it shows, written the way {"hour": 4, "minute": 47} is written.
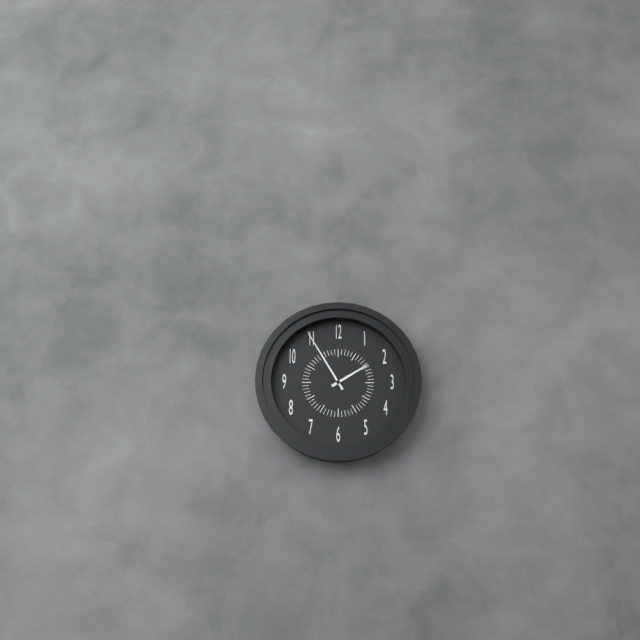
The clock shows {"hour": 1, "minute": 55}
